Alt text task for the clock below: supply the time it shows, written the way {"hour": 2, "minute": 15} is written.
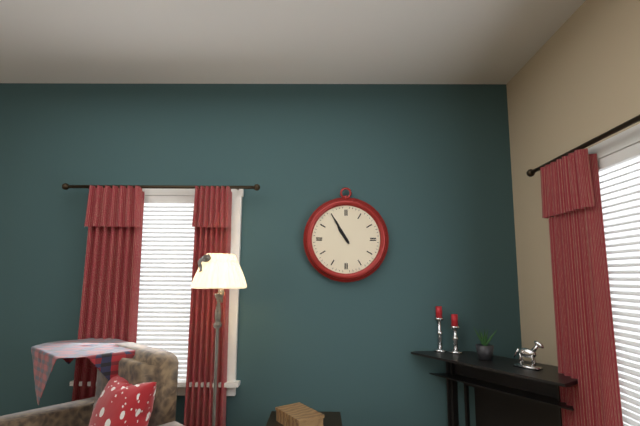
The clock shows {"hour": 10, "minute": 55}
